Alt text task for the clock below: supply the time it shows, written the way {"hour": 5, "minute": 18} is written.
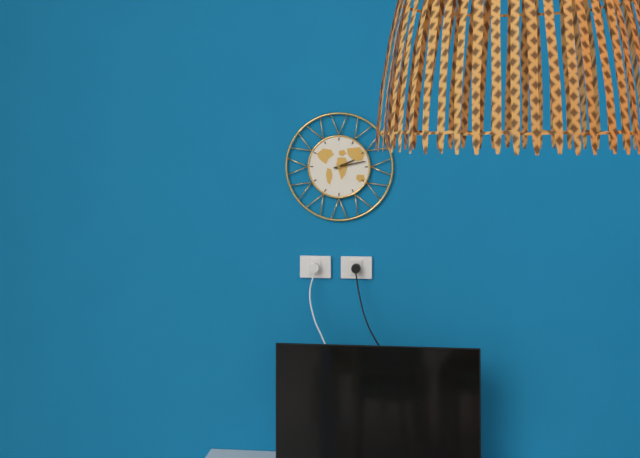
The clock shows {"hour": 2, "minute": 13}
